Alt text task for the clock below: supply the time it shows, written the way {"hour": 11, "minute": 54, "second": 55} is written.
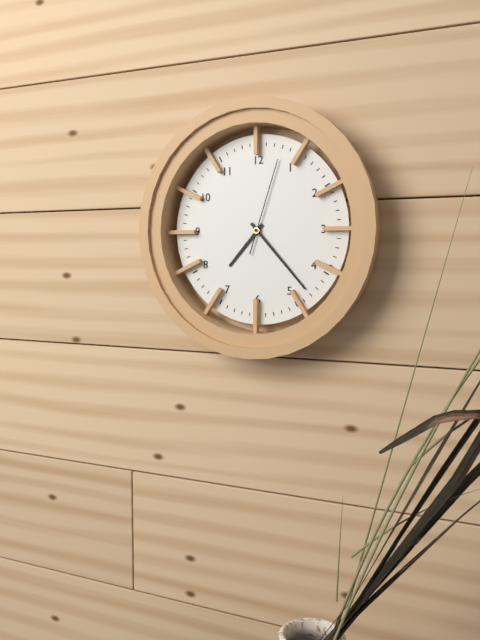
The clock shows {"hour": 7, "minute": 23, "second": 3}
